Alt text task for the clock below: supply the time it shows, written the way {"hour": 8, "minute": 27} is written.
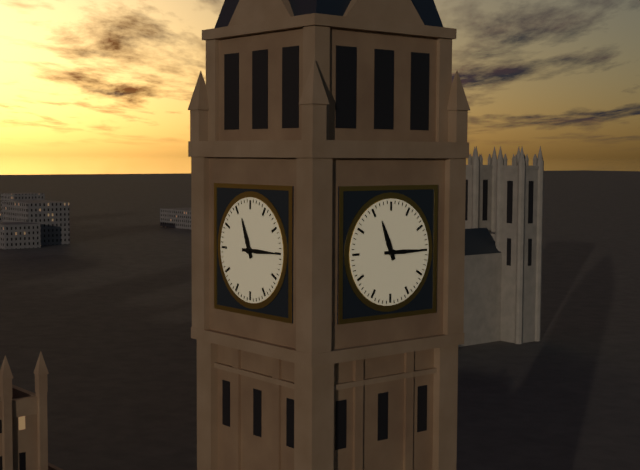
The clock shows {"hour": 11, "minute": 15}
